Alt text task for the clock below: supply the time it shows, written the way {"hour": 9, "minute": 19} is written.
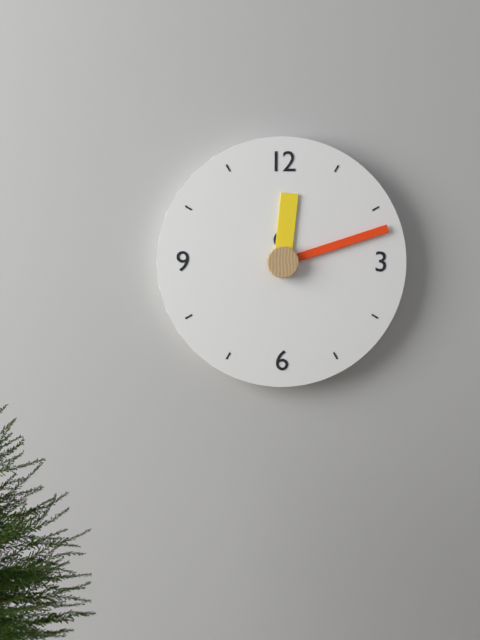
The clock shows {"hour": 12, "minute": 12}
